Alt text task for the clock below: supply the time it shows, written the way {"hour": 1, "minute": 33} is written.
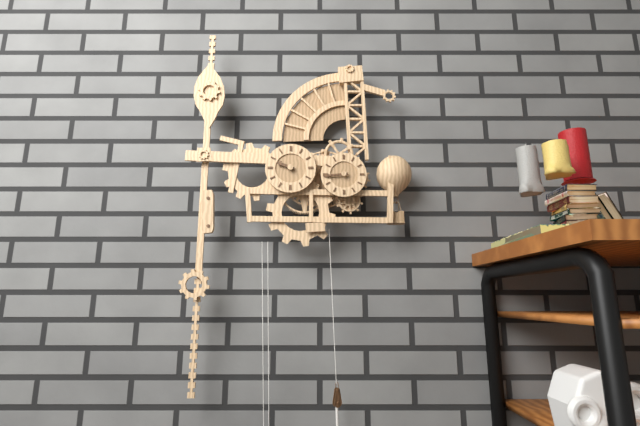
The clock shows {"hour": 9, "minute": 44}
